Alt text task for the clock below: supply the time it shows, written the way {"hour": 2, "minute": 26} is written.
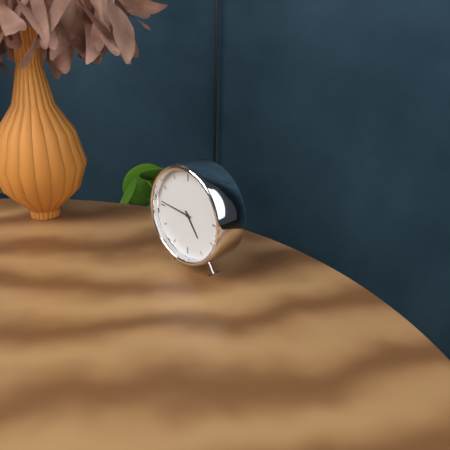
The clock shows {"hour": 4, "minute": 46}
